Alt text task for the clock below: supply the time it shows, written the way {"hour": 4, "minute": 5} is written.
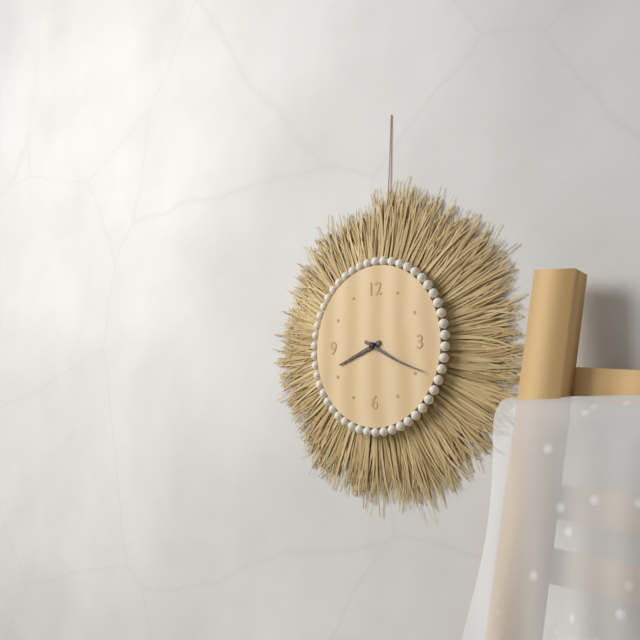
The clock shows {"hour": 8, "minute": 19}
